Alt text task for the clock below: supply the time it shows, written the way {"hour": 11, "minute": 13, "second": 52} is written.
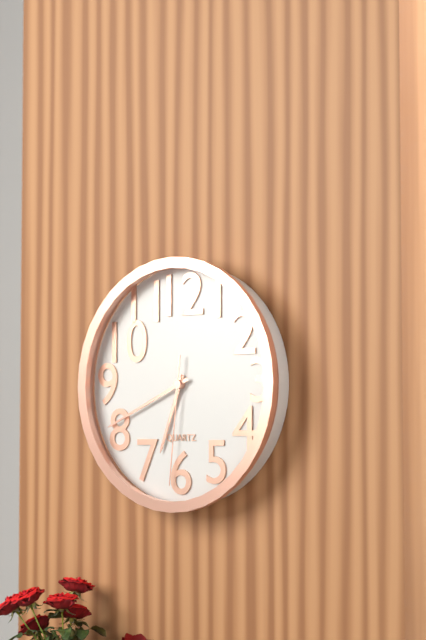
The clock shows {"hour": 6, "minute": 41, "second": 31}
